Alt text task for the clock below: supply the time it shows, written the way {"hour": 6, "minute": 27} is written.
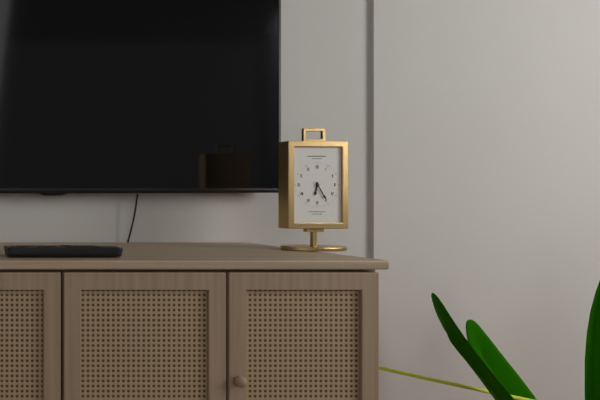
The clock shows {"hour": 6, "minute": 25}
